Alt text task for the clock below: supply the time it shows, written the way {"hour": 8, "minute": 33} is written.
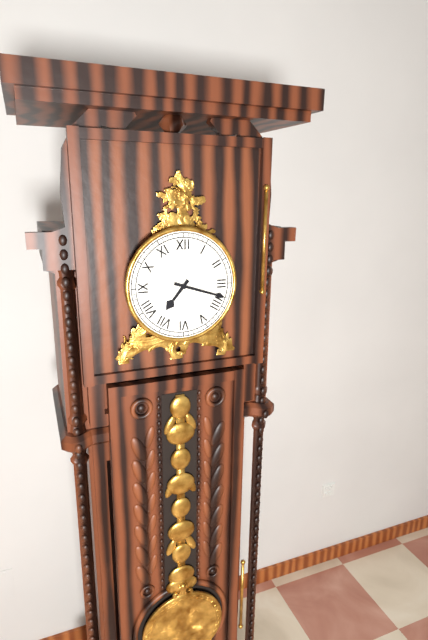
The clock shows {"hour": 7, "minute": 18}
